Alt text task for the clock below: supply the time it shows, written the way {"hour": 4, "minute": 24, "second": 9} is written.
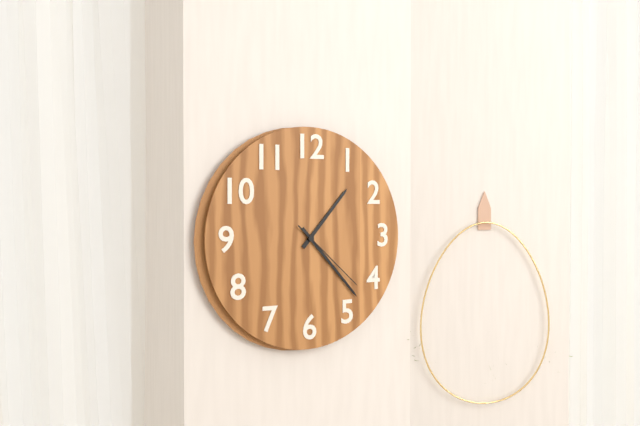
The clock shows {"hour": 1, "minute": 23, "second": 22}
